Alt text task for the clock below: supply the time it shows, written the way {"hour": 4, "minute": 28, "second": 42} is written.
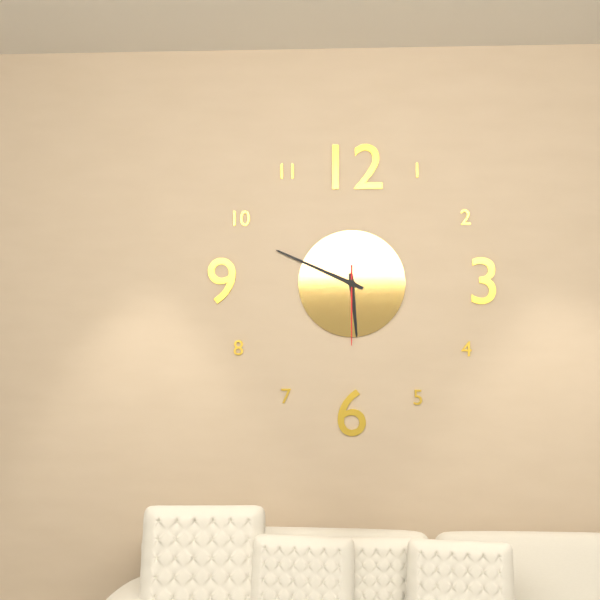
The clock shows {"hour": 5, "minute": 49, "second": 30}
